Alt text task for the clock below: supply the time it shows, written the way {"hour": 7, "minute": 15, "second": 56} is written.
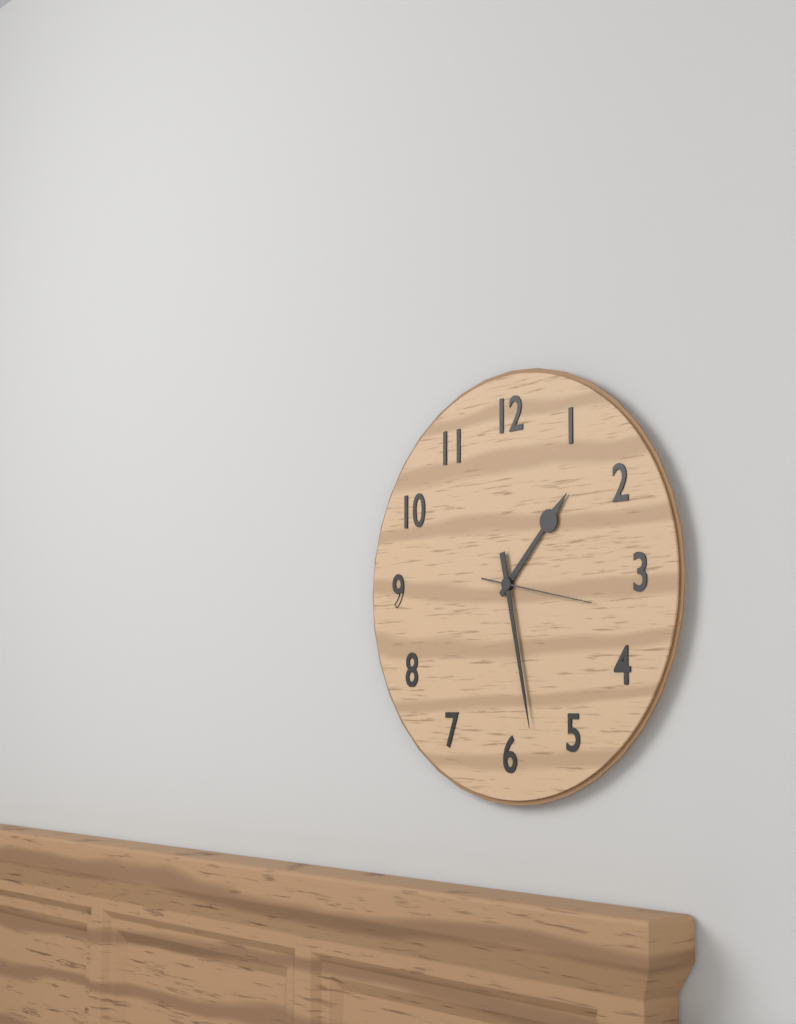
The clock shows {"hour": 1, "minute": 28, "second": 17}
